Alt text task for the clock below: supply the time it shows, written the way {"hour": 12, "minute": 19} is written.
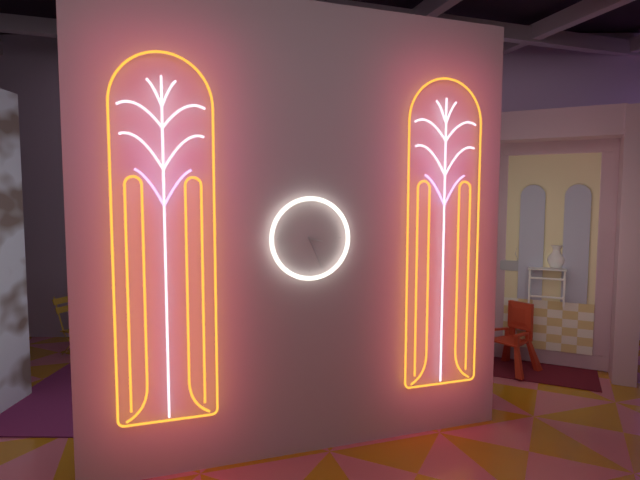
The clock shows {"hour": 3, "minute": 26}
